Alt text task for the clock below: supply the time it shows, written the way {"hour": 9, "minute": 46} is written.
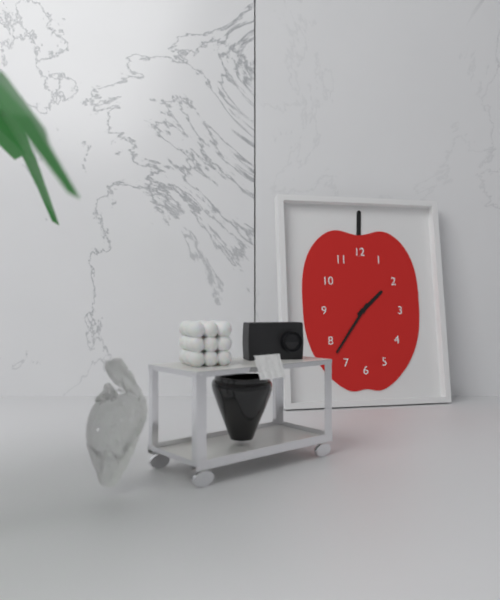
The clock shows {"hour": 1, "minute": 36}
